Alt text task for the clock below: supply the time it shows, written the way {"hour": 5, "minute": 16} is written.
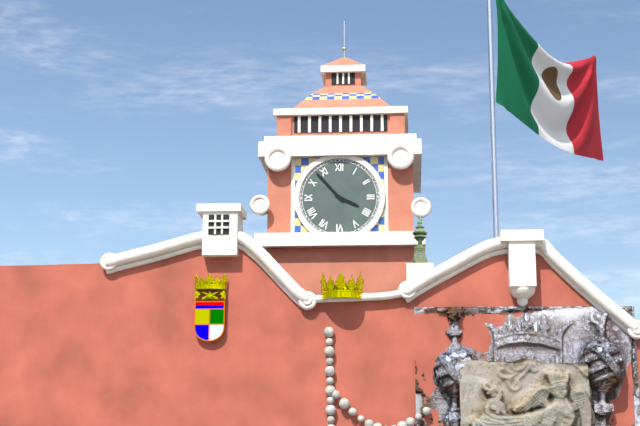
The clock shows {"hour": 3, "minute": 53}
